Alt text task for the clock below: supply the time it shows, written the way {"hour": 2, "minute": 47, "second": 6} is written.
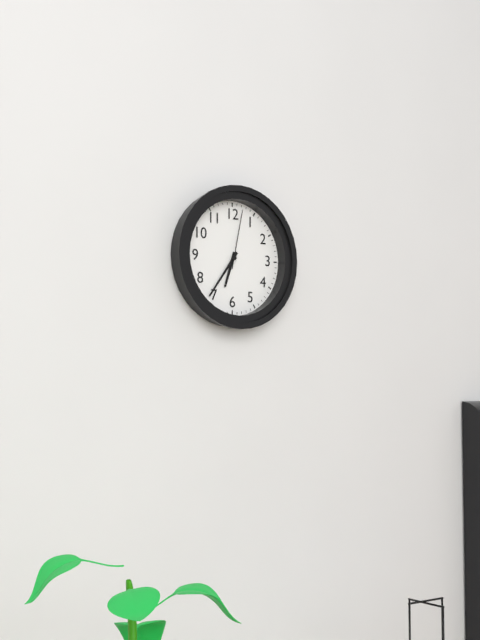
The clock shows {"hour": 6, "minute": 36, "second": 2}
